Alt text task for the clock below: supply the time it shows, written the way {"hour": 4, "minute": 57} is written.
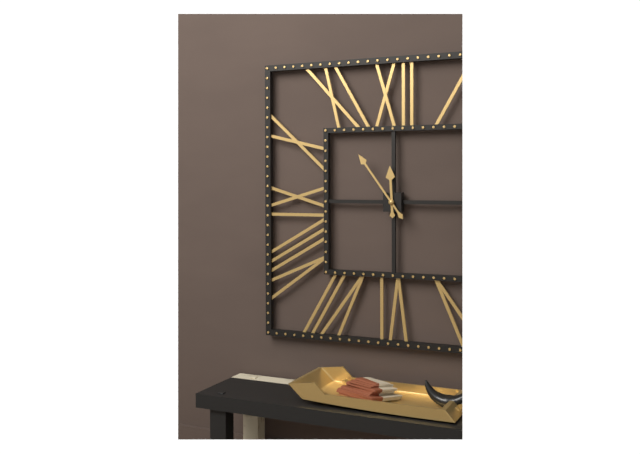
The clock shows {"hour": 11, "minute": 54}
